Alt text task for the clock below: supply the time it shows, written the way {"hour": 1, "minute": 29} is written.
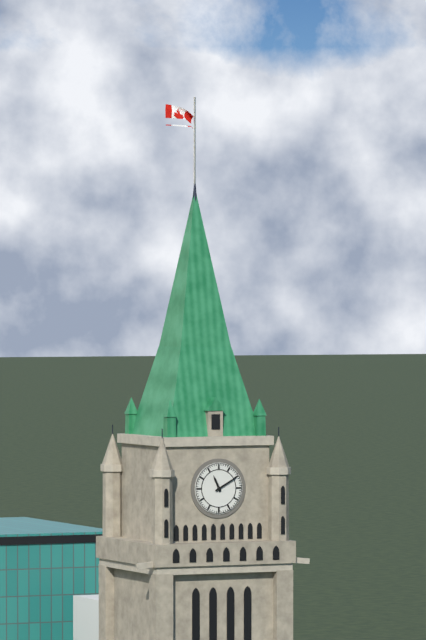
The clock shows {"hour": 11, "minute": 10}
